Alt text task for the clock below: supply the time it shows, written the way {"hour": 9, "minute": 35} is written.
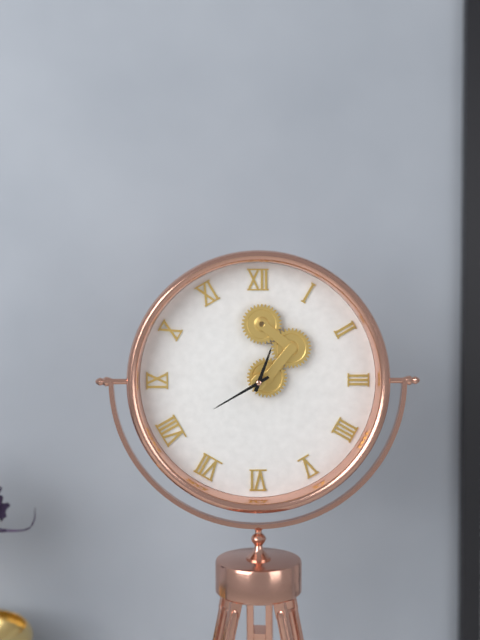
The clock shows {"hour": 12, "minute": 40}
